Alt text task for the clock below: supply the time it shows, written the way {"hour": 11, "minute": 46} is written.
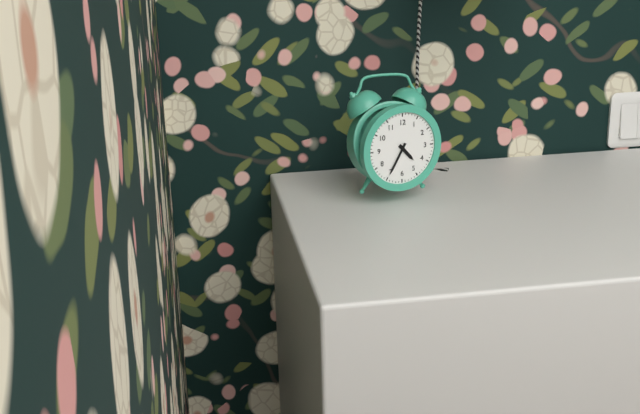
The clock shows {"hour": 4, "minute": 35}
